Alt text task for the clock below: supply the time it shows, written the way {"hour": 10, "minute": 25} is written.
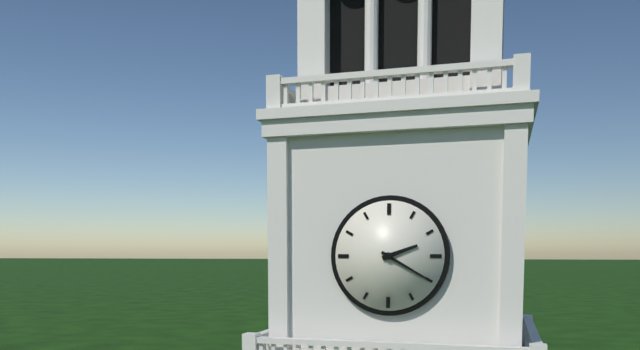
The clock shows {"hour": 2, "minute": 20}
